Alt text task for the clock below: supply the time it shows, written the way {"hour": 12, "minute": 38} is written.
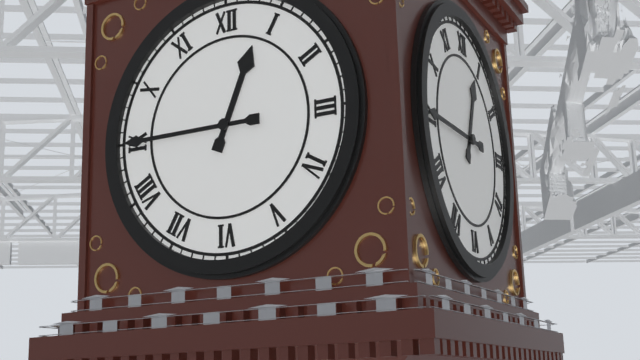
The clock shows {"hour": 12, "minute": 45}
